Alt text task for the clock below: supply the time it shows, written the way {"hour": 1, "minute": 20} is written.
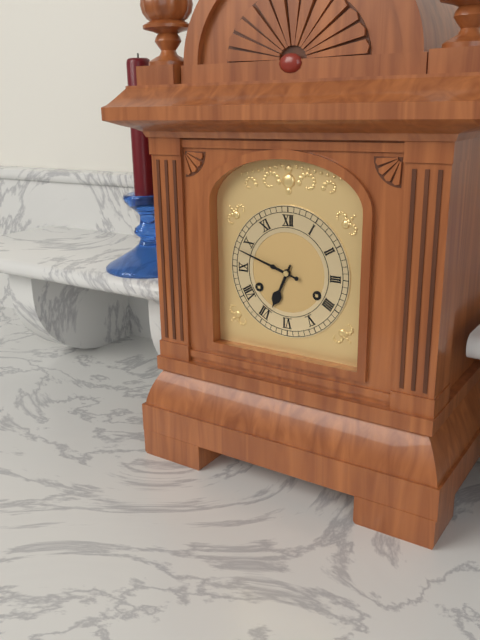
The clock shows {"hour": 6, "minute": 48}
